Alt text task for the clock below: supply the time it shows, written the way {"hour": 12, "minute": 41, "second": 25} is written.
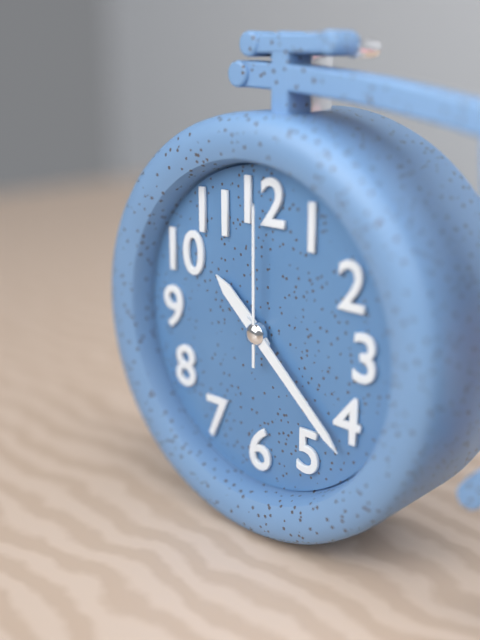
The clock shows {"hour": 10, "minute": 22, "second": 0}
